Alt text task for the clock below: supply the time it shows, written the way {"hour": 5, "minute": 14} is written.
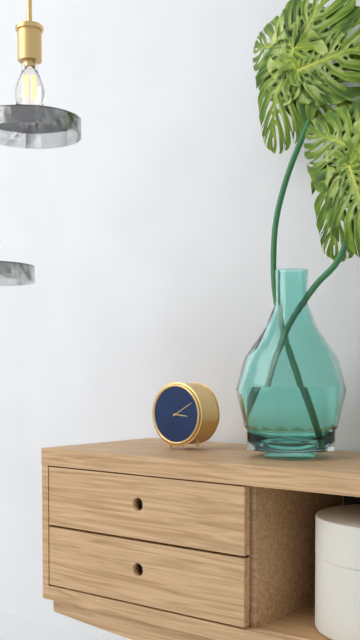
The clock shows {"hour": 3, "minute": 10}
